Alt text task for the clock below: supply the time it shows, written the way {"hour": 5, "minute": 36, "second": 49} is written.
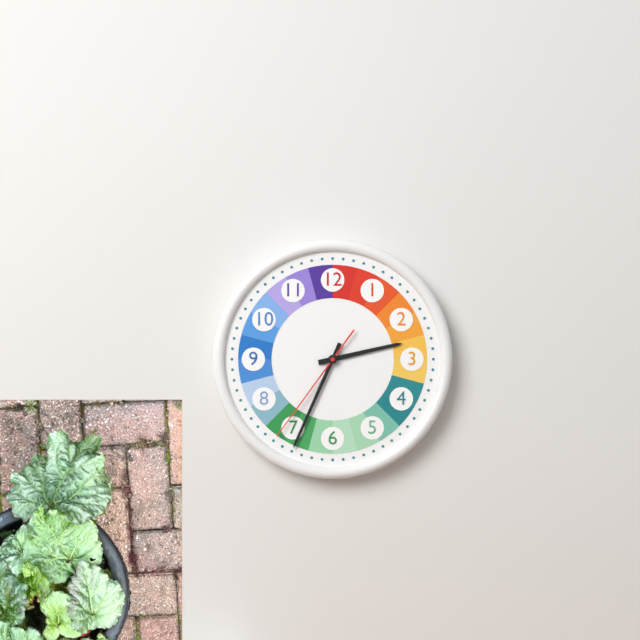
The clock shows {"hour": 2, "minute": 34, "second": 36}
